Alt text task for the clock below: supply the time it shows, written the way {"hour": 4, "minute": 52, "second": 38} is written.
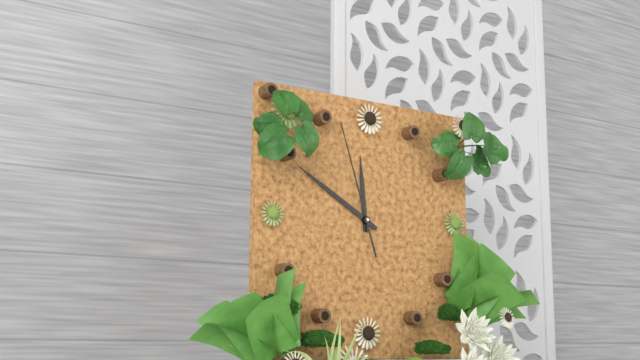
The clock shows {"hour": 11, "minute": 50, "second": 57}
